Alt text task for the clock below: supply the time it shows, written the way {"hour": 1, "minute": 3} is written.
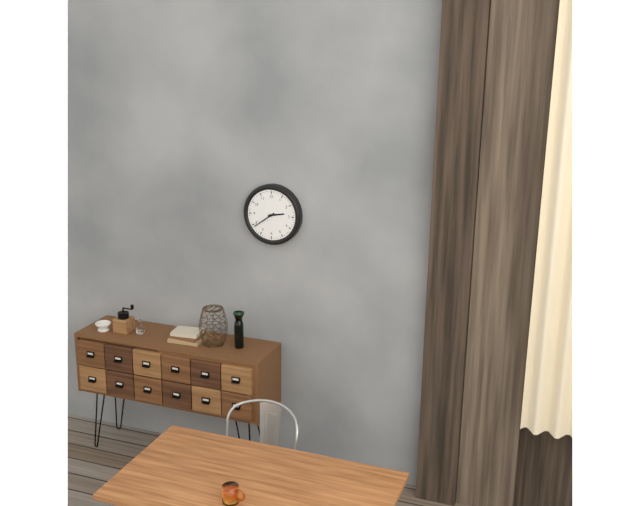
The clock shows {"hour": 2, "minute": 39}
